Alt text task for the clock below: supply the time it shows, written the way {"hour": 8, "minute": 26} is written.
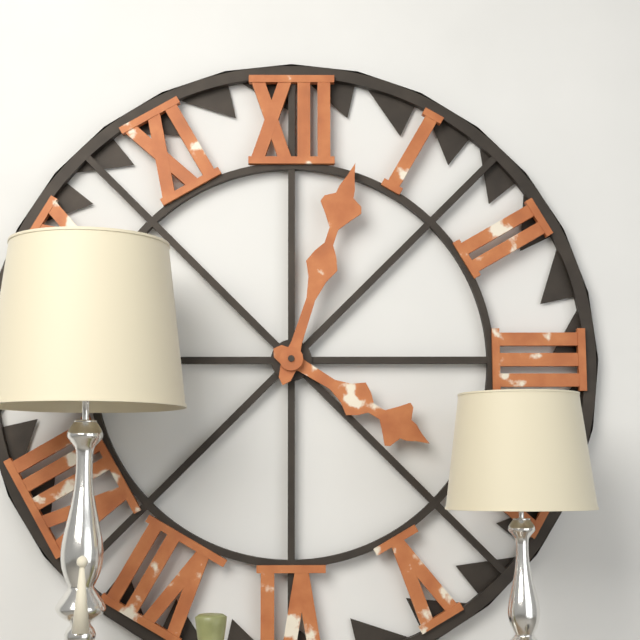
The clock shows {"hour": 4, "minute": 3}
